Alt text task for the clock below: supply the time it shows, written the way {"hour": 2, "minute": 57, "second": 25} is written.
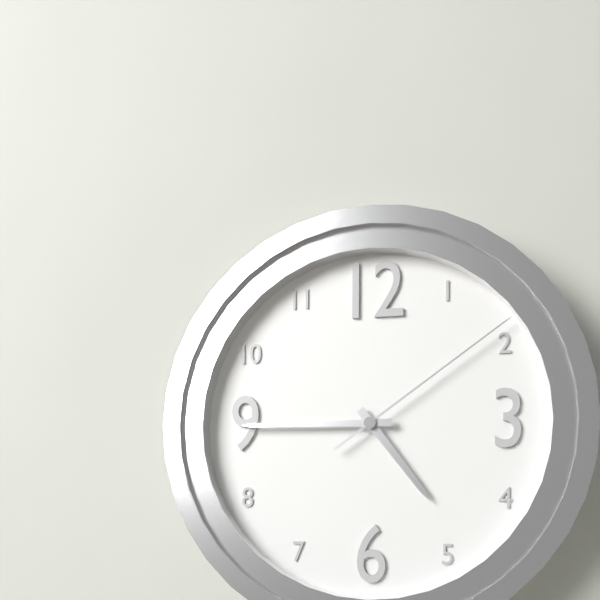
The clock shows {"hour": 4, "minute": 45, "second": 9}
